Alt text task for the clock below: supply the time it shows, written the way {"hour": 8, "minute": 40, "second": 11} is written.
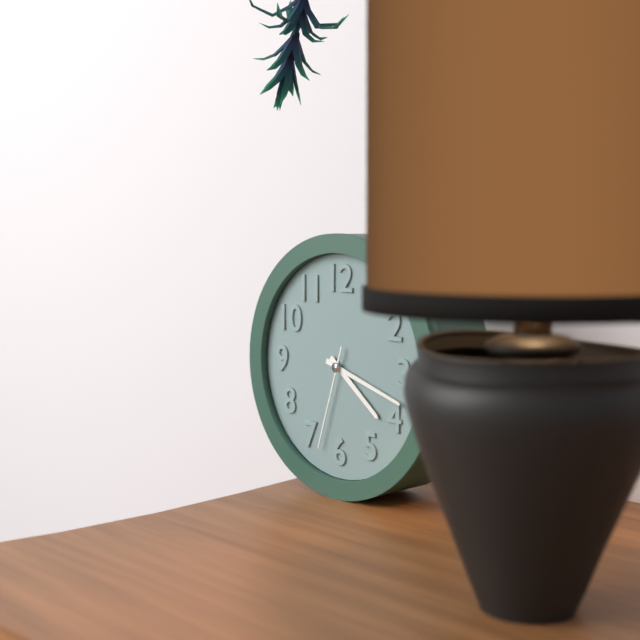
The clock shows {"hour": 4, "minute": 18, "second": 33}
